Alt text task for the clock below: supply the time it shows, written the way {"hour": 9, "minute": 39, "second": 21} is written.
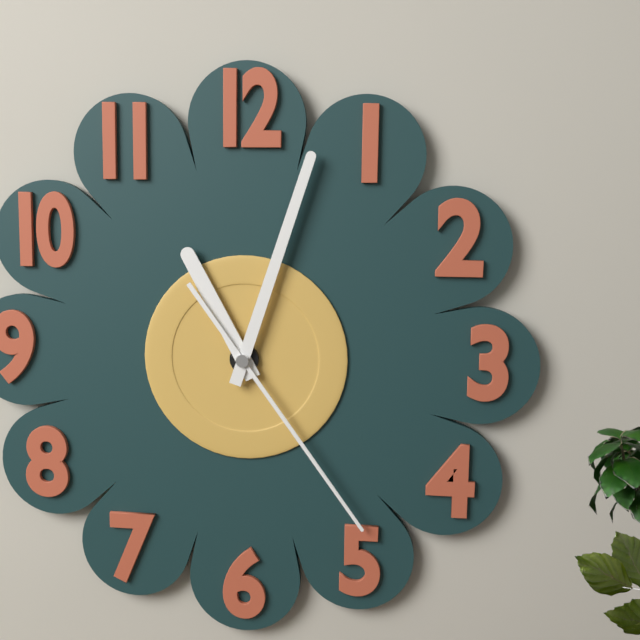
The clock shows {"hour": 11, "minute": 3, "second": 24}
